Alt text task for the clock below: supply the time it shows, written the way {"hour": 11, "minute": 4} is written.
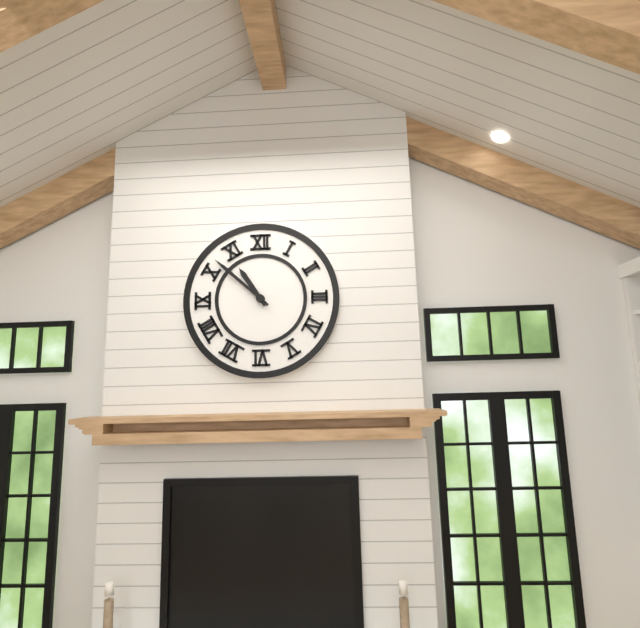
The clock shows {"hour": 10, "minute": 52}
